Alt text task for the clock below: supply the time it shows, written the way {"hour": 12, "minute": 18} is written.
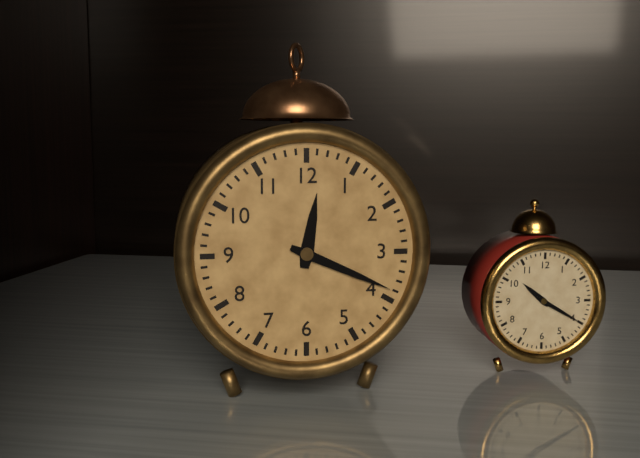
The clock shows {"hour": 12, "minute": 19}
